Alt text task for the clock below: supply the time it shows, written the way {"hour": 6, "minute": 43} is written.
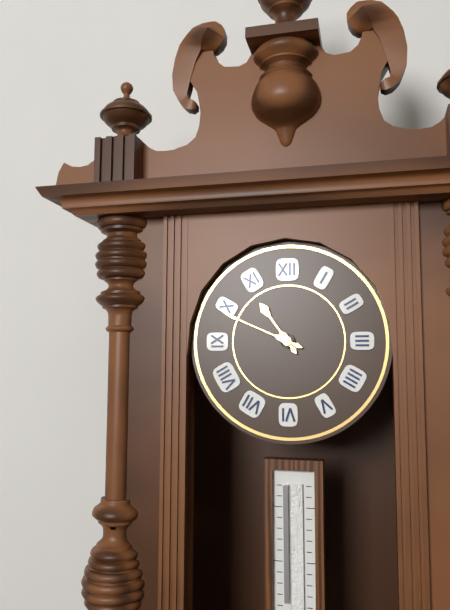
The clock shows {"hour": 10, "minute": 49}
